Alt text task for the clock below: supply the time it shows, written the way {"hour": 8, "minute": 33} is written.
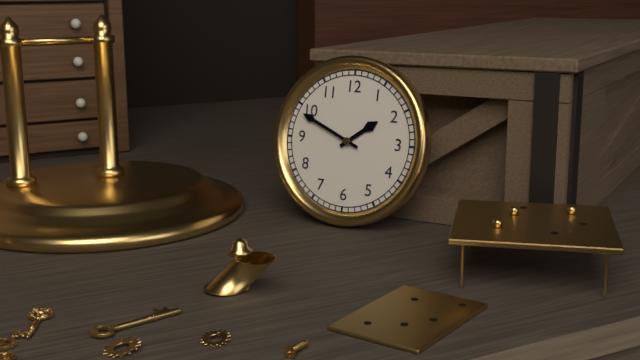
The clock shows {"hour": 1, "minute": 49}
